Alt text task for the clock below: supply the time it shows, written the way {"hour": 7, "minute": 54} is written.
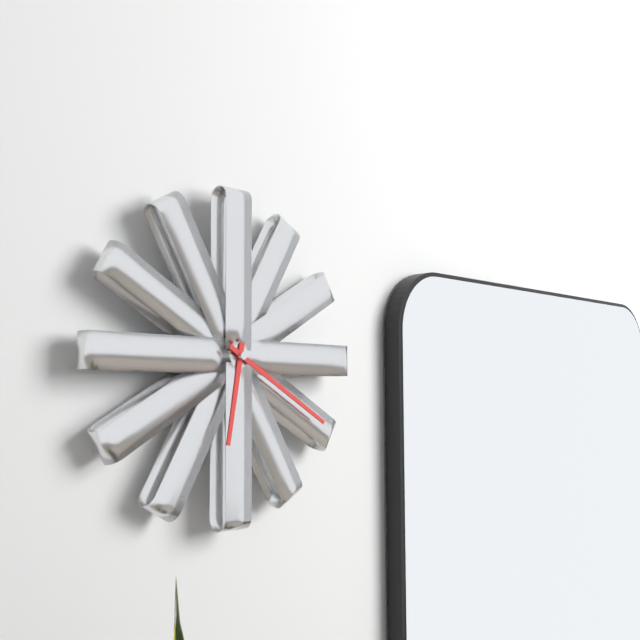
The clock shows {"hour": 6, "minute": 20}
